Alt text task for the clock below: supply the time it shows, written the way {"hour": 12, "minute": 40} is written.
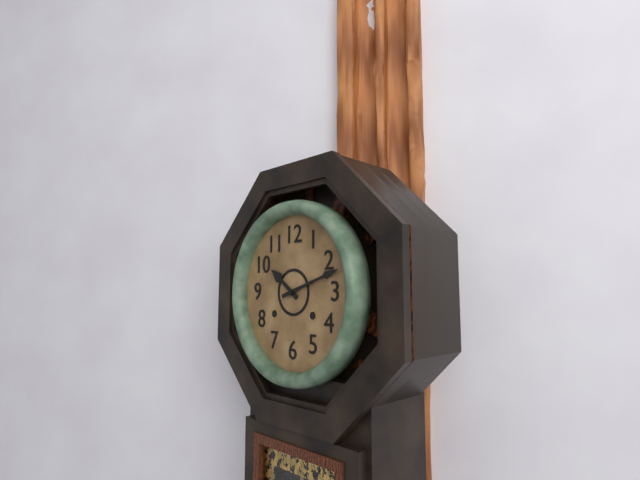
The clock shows {"hour": 10, "minute": 12}
